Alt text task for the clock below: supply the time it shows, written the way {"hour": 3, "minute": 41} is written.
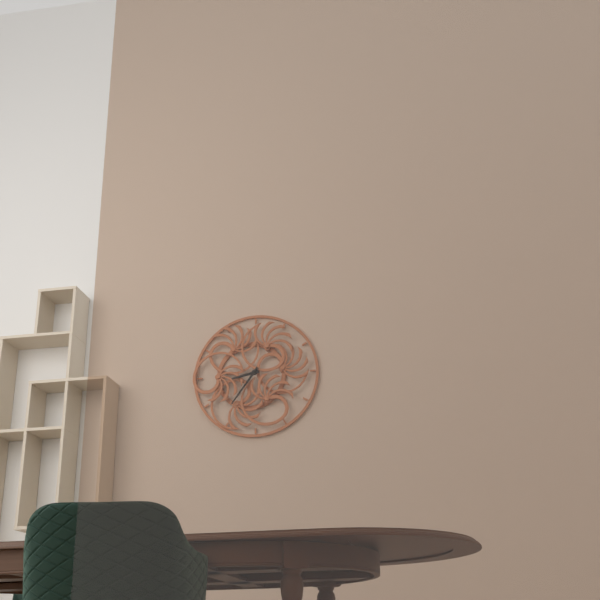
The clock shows {"hour": 8, "minute": 36}
